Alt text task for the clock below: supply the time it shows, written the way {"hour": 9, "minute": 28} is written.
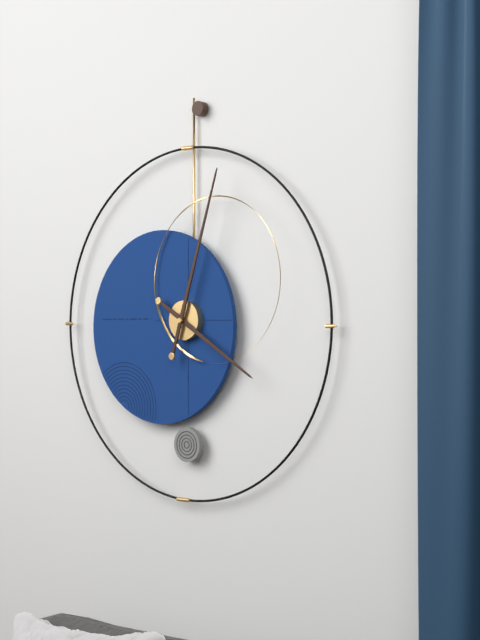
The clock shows {"hour": 4, "minute": 3}
